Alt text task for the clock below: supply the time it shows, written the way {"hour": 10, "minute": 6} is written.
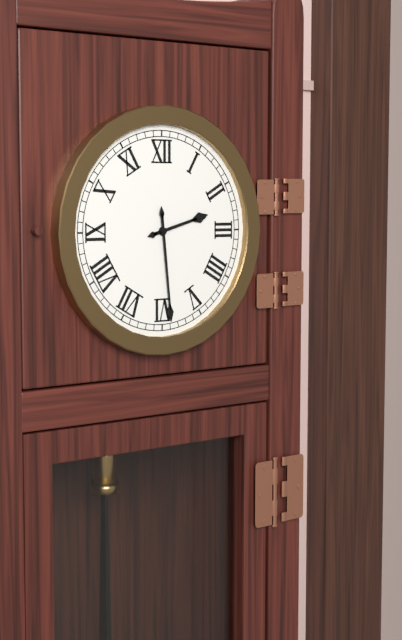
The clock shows {"hour": 2, "minute": 29}
